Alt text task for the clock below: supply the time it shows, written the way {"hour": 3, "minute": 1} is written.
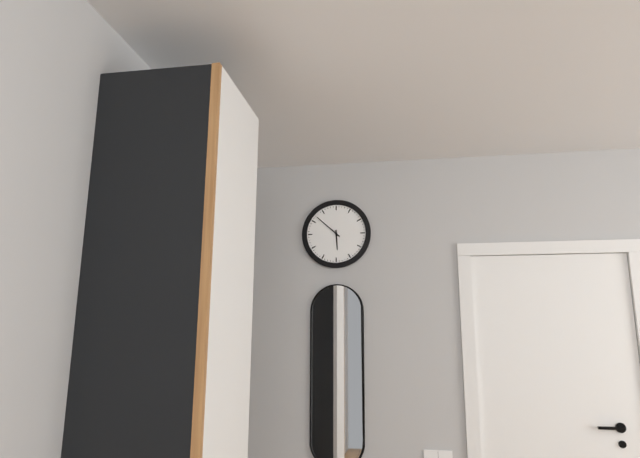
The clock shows {"hour": 5, "minute": 52}
